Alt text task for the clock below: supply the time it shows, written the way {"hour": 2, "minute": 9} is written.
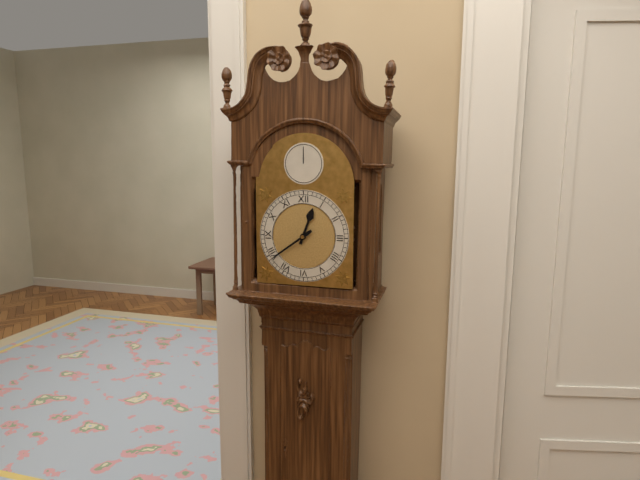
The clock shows {"hour": 12, "minute": 39}
